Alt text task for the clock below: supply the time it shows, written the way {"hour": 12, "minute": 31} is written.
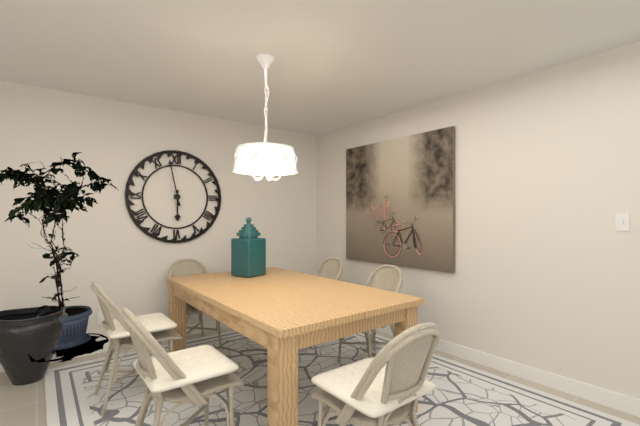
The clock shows {"hour": 5, "minute": 58}
